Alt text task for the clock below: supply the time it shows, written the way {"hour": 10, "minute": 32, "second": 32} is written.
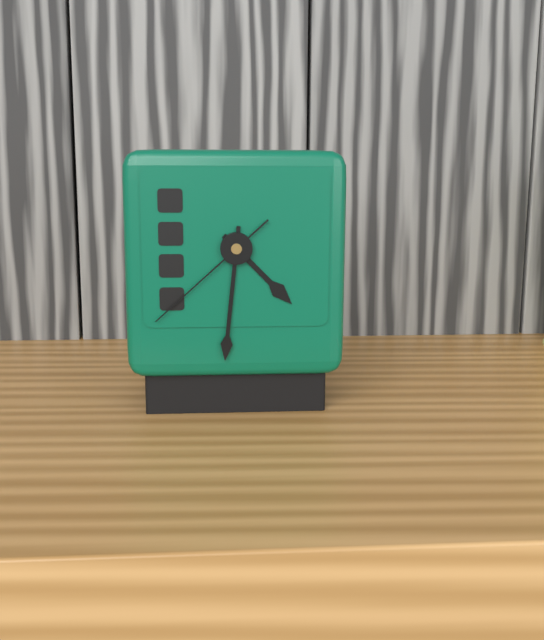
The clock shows {"hour": 4, "minute": 31, "second": 38}
